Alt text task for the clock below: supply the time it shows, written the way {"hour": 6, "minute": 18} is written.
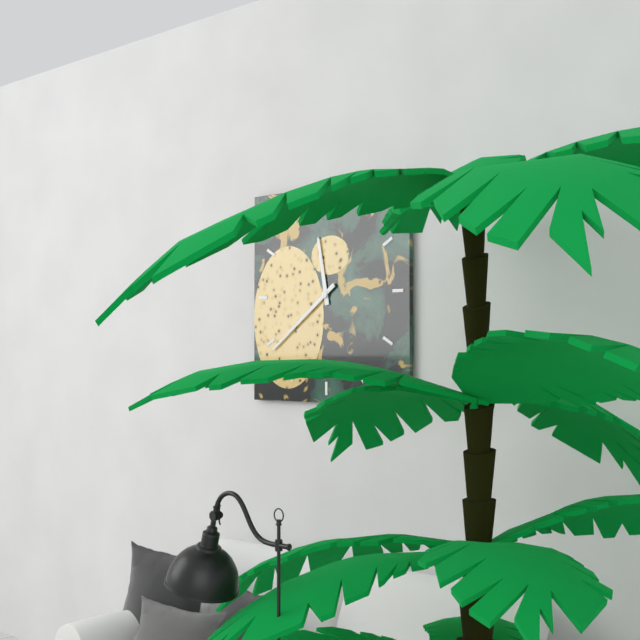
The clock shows {"hour": 11, "minute": 39}
